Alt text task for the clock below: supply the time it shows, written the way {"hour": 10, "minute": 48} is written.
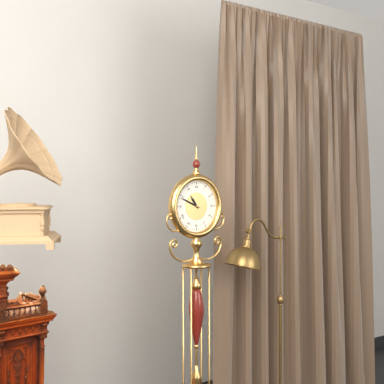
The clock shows {"hour": 10, "minute": 49}
